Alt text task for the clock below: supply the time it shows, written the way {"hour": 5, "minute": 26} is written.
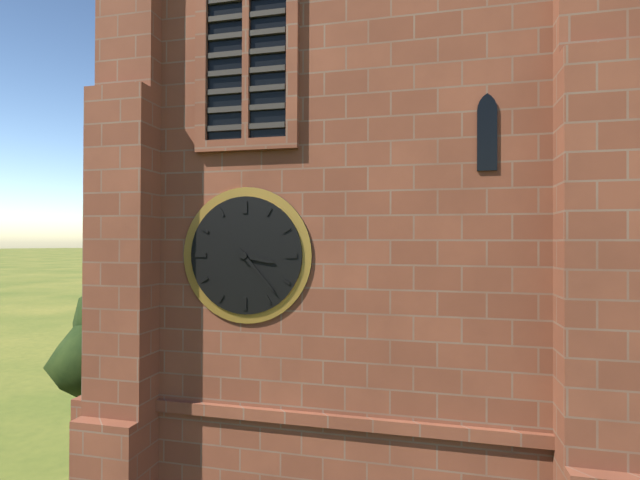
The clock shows {"hour": 3, "minute": 23}
